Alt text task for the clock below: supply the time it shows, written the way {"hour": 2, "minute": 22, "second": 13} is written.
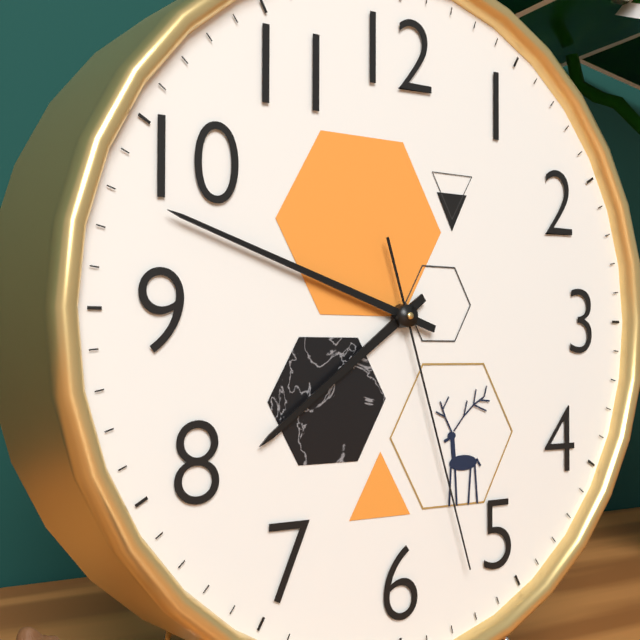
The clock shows {"hour": 7, "minute": 48, "second": 27}
